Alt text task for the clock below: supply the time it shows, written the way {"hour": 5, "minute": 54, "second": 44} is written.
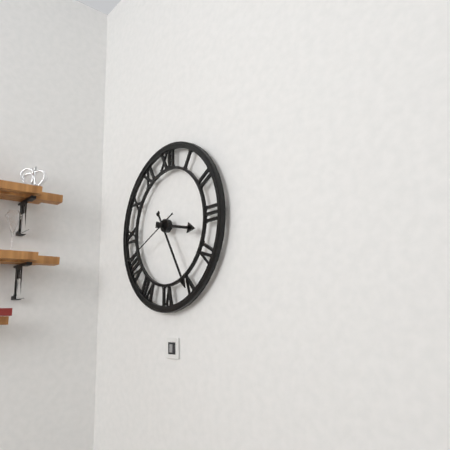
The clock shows {"hour": 3, "minute": 25, "second": 41}
